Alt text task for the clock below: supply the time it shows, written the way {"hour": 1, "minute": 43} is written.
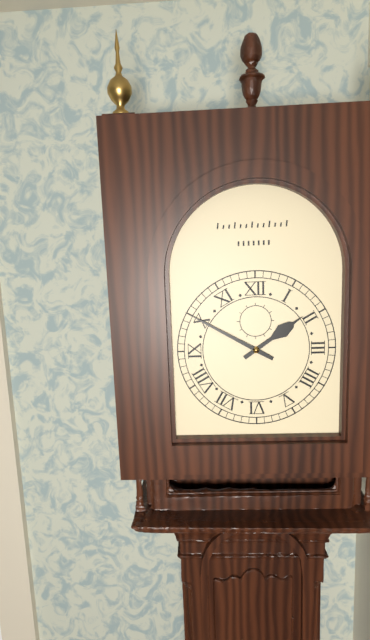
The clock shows {"hour": 1, "minute": 50}
